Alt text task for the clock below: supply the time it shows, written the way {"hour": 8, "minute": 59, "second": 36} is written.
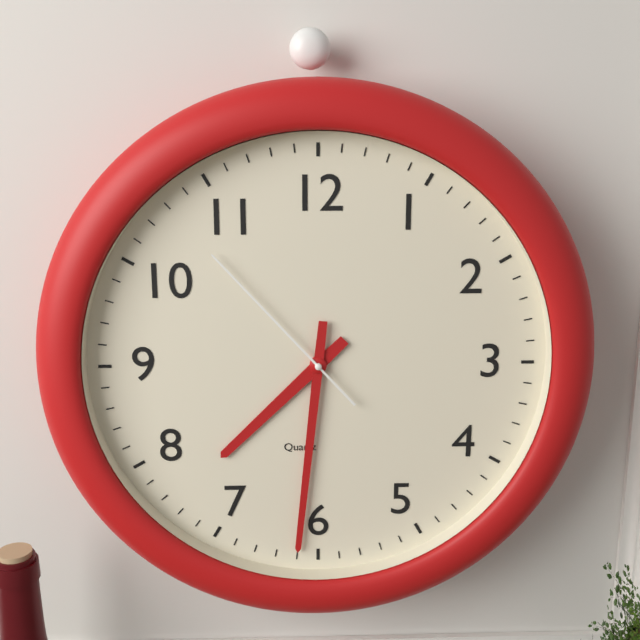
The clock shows {"hour": 7, "minute": 31, "second": 53}
